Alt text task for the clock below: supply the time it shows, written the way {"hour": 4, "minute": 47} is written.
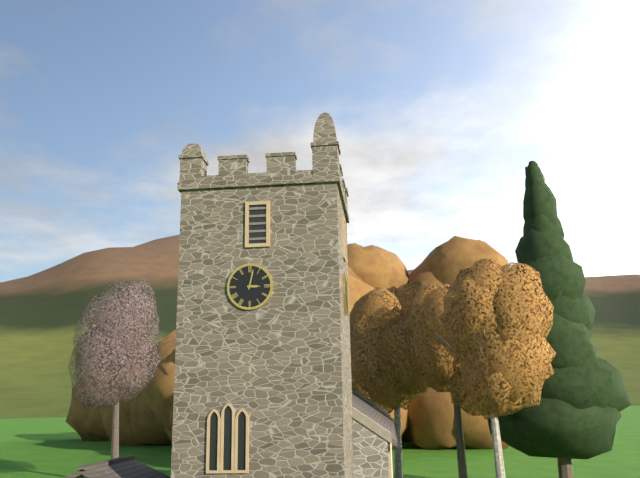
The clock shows {"hour": 3, "minute": 2}
